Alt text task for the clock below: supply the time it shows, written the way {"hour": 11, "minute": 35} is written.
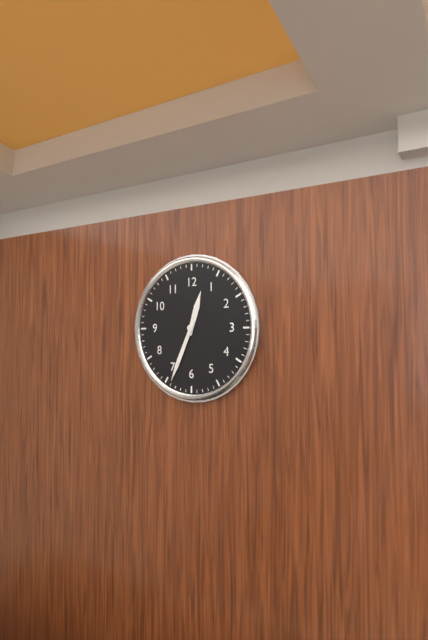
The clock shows {"hour": 12, "minute": 34}
